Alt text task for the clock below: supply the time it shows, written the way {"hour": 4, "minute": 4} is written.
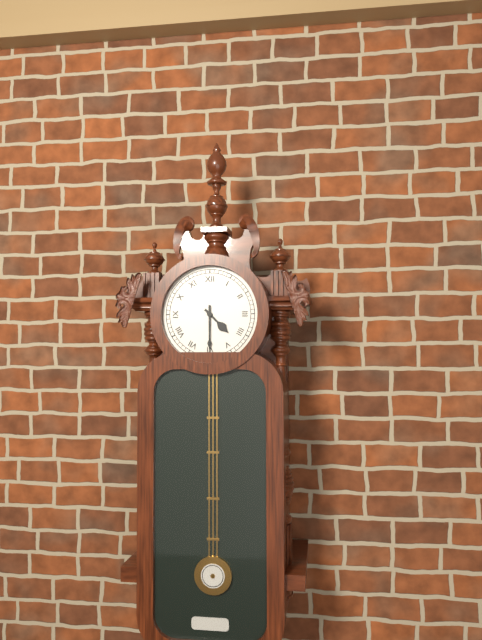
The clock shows {"hour": 4, "minute": 30}
